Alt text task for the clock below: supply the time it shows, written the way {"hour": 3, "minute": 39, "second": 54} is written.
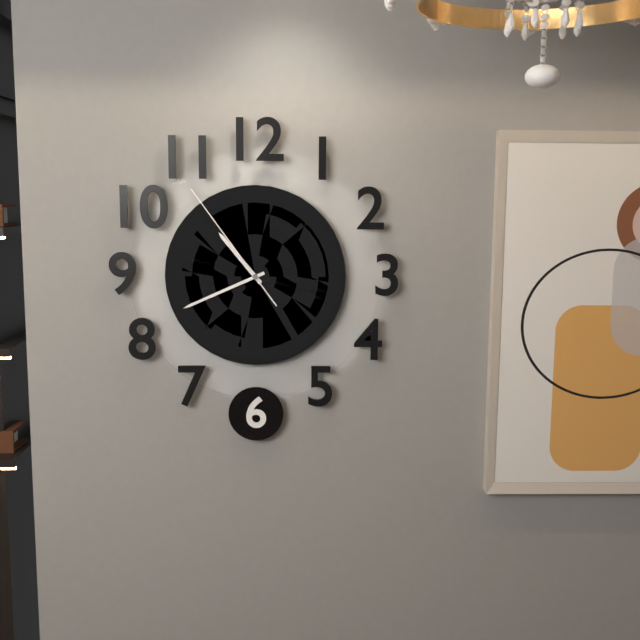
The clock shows {"hour": 10, "minute": 41, "second": 54}
